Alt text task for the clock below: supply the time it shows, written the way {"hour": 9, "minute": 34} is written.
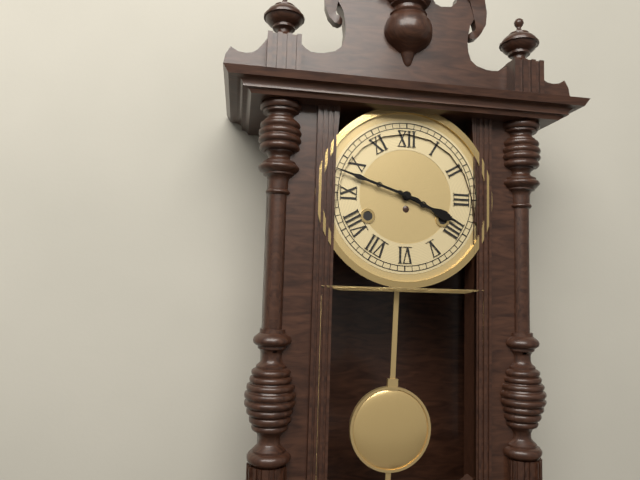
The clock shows {"hour": 3, "minute": 48}
